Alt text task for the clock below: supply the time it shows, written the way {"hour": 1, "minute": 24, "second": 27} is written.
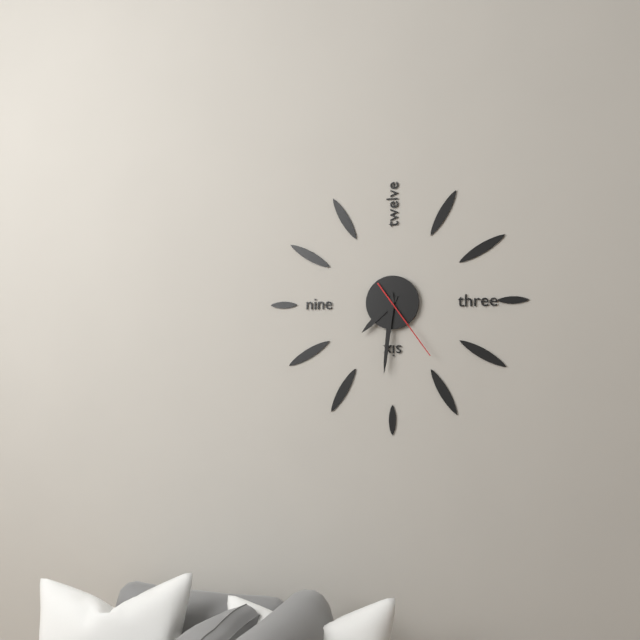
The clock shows {"hour": 7, "minute": 31, "second": 24}
